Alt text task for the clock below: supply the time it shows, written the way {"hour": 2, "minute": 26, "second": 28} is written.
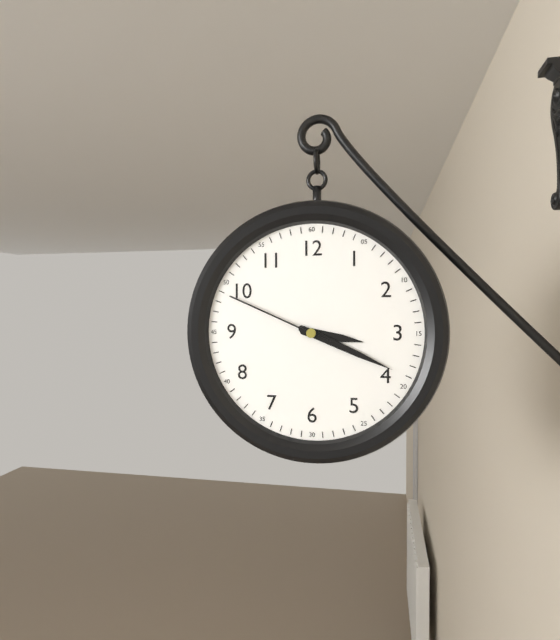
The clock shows {"hour": 3, "minute": 19, "second": 49}
